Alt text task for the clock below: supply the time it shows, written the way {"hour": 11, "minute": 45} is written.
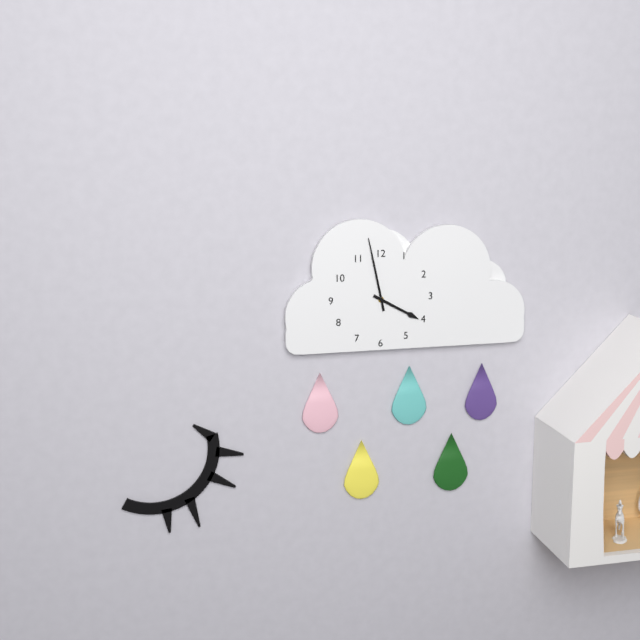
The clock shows {"hour": 3, "minute": 58}
